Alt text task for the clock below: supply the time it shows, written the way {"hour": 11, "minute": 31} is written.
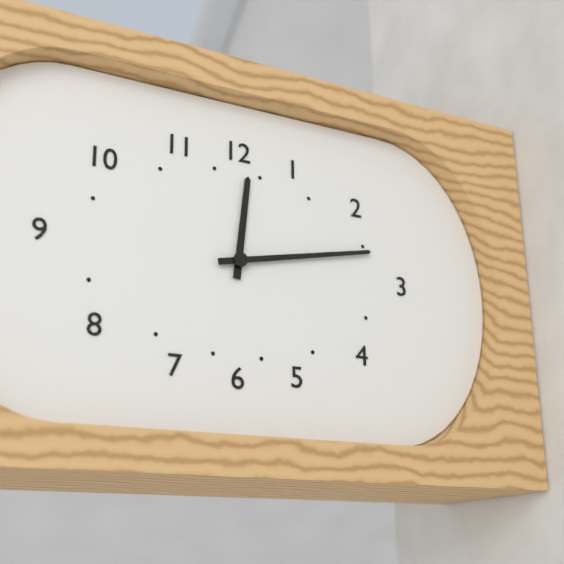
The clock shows {"hour": 12, "minute": 13}
